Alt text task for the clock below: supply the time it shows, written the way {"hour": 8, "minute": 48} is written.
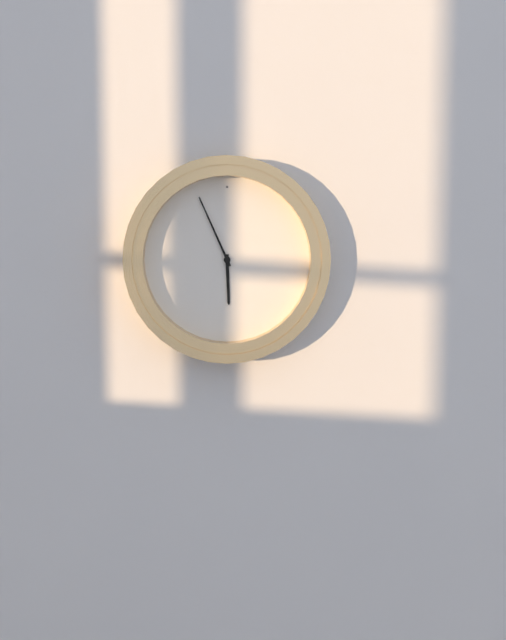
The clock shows {"hour": 5, "minute": 56}
